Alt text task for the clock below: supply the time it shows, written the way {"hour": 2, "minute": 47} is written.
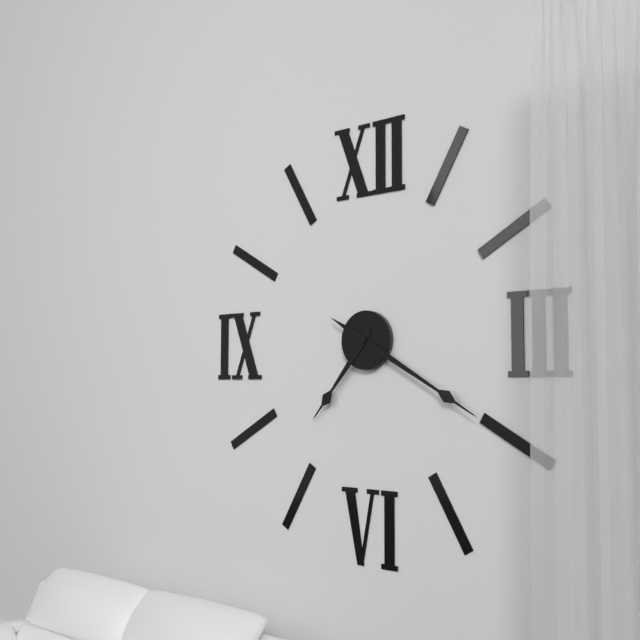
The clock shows {"hour": 7, "minute": 20}
